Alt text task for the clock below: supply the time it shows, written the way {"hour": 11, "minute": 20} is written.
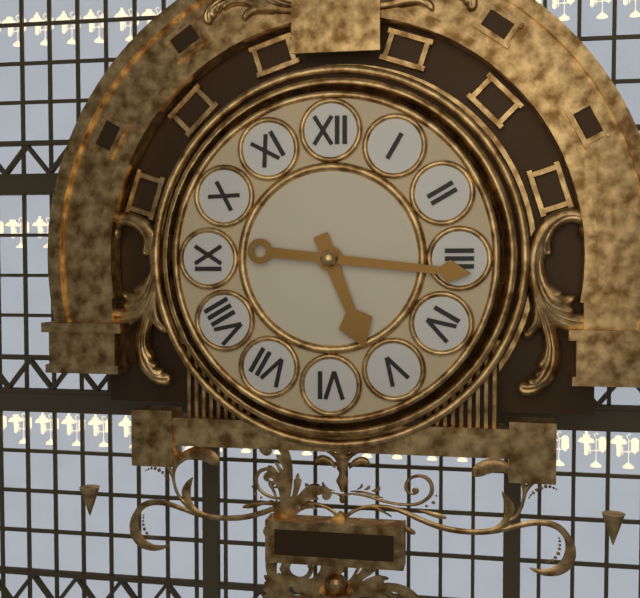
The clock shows {"hour": 5, "minute": 16}
